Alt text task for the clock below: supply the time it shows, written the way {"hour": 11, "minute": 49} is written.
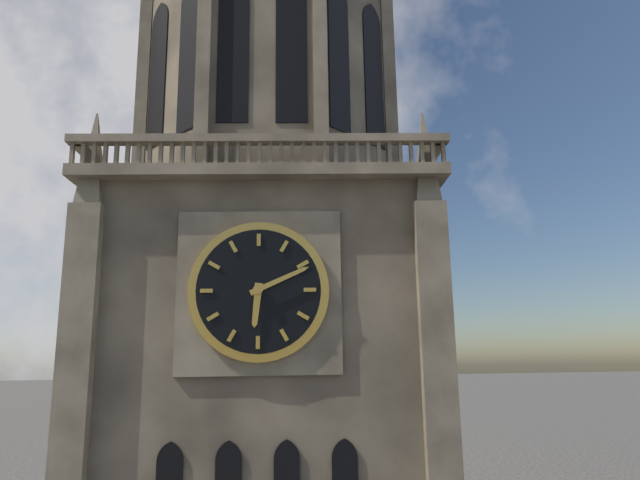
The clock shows {"hour": 6, "minute": 11}
